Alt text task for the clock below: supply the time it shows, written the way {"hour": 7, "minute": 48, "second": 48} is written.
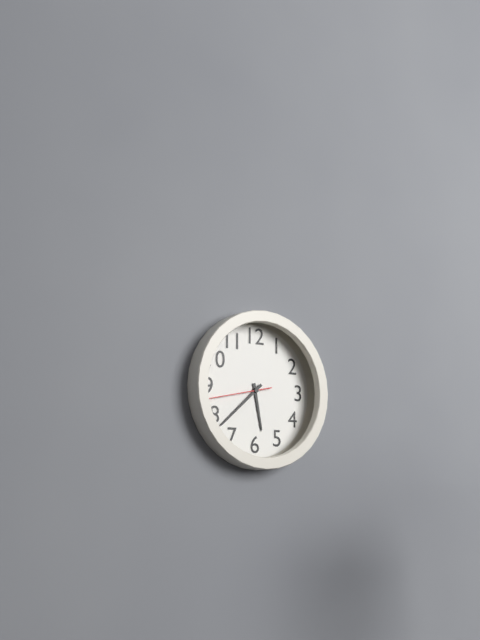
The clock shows {"hour": 5, "minute": 38, "second": 43}
